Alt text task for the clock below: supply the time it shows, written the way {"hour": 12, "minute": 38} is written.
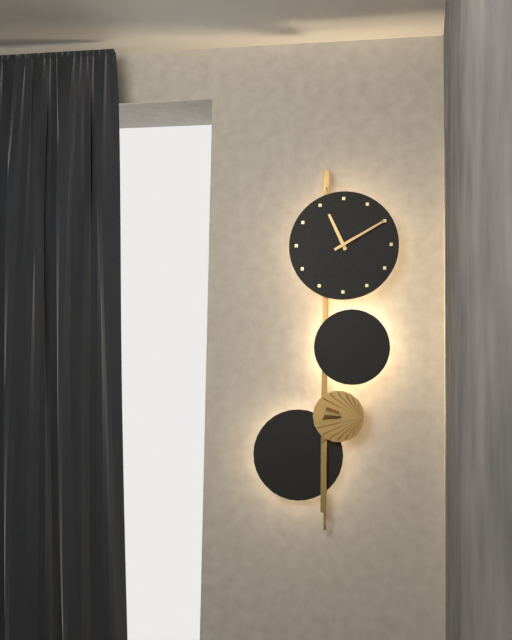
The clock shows {"hour": 11, "minute": 10}
